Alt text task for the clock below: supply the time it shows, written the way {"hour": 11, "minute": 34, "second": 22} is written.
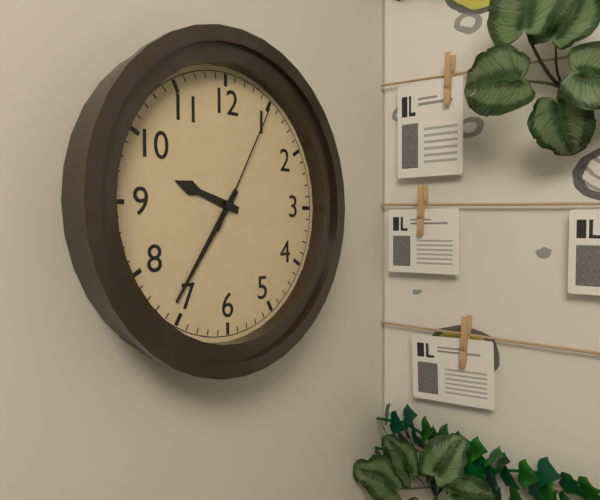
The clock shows {"hour": 9, "minute": 36, "second": 5}
